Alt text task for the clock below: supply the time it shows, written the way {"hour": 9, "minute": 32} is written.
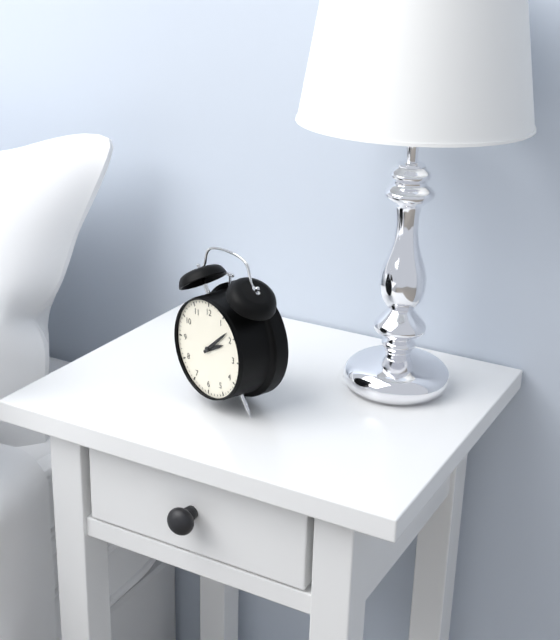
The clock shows {"hour": 2, "minute": 8}
